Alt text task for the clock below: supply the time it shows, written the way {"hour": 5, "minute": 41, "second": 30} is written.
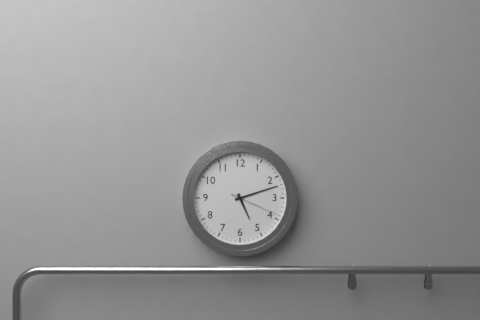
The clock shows {"hour": 5, "minute": 12, "second": 19}
